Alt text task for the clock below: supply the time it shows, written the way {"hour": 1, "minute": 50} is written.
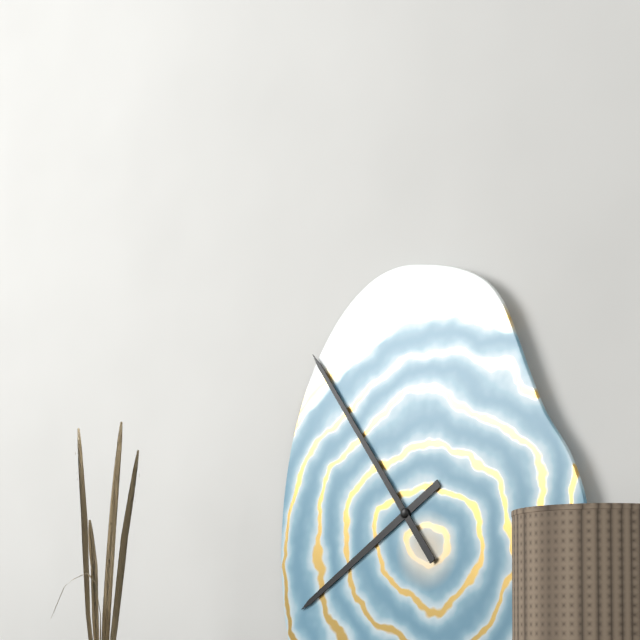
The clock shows {"hour": 7, "minute": 54}
